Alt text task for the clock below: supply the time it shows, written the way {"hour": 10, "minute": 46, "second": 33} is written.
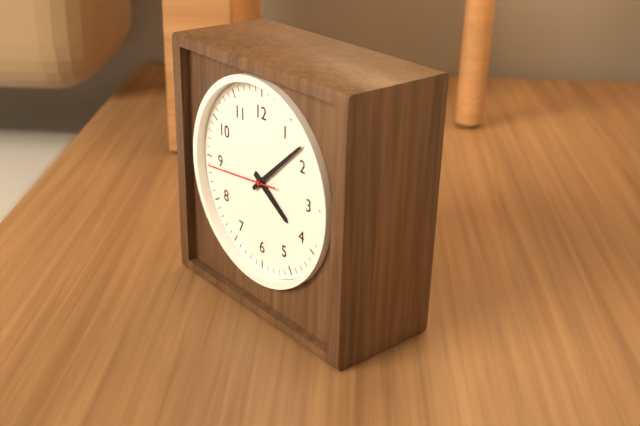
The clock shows {"hour": 4, "minute": 8, "second": 44}
